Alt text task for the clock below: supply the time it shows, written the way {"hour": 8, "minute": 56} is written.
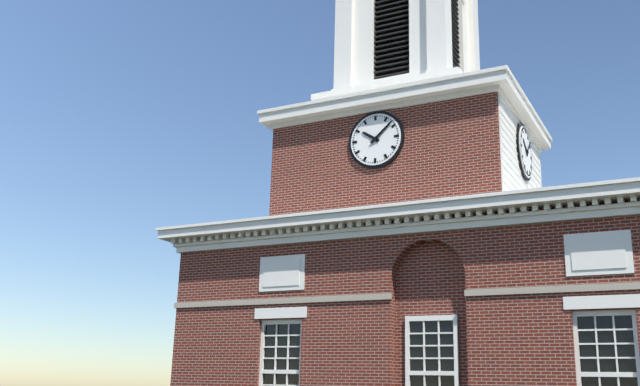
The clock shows {"hour": 10, "minute": 8}
